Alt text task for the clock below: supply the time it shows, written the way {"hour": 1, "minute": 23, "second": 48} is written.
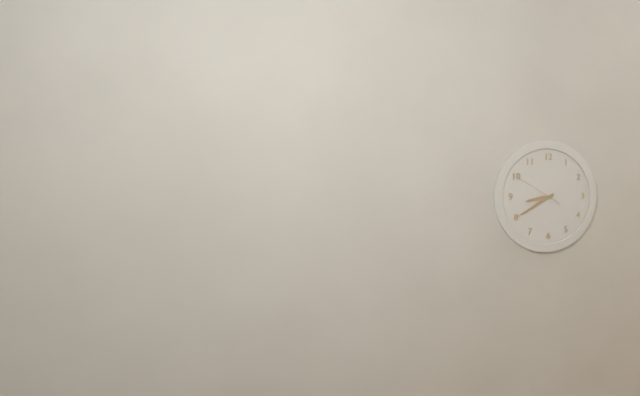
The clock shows {"hour": 8, "minute": 40, "second": 50}
